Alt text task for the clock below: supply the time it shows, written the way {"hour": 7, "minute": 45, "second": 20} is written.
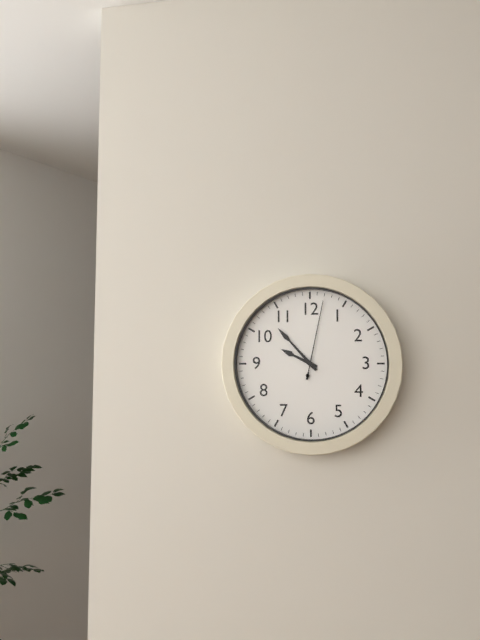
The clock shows {"hour": 9, "minute": 53, "second": 2}
